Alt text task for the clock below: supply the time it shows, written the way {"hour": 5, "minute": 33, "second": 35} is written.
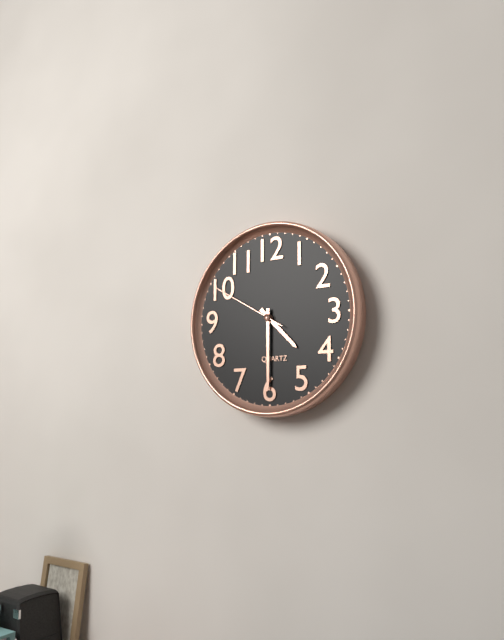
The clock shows {"hour": 4, "minute": 30, "second": 50}
